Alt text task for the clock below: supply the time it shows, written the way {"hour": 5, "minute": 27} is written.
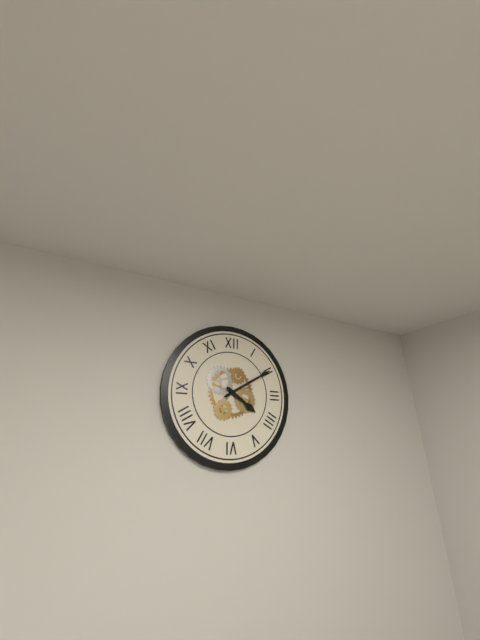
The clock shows {"hour": 4, "minute": 10}
